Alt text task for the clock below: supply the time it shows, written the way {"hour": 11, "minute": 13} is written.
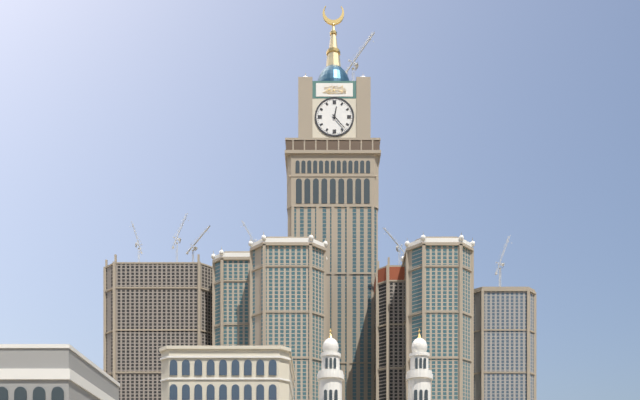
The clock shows {"hour": 12, "minute": 23}
